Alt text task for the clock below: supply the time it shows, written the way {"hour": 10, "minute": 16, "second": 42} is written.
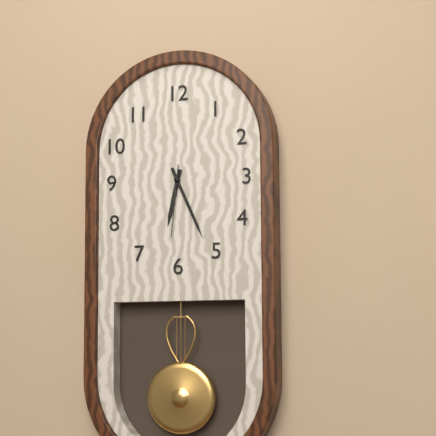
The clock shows {"hour": 6, "minute": 26, "second": 31}
